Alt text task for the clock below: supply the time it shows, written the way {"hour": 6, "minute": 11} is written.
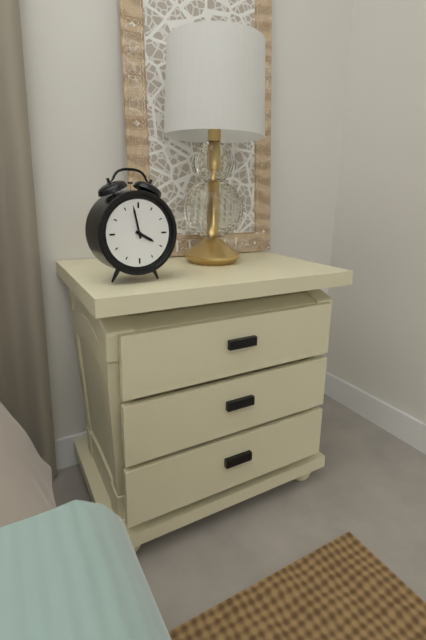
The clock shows {"hour": 3, "minute": 58}
